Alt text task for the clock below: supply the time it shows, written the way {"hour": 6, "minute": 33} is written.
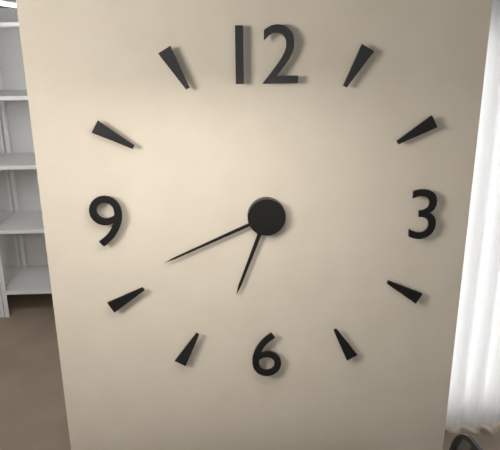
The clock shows {"hour": 6, "minute": 41}
